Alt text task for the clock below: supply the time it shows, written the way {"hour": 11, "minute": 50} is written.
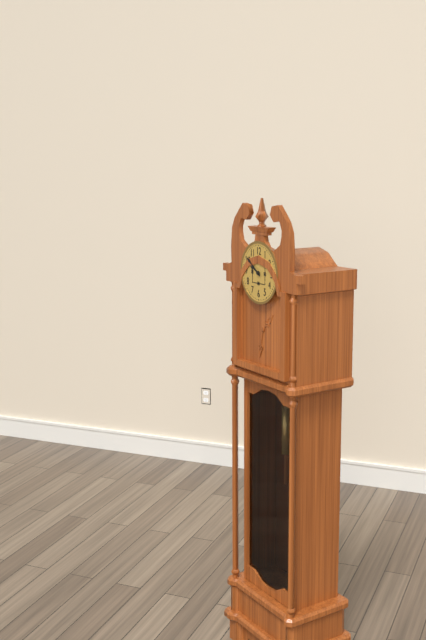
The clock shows {"hour": 9, "minute": 51}
